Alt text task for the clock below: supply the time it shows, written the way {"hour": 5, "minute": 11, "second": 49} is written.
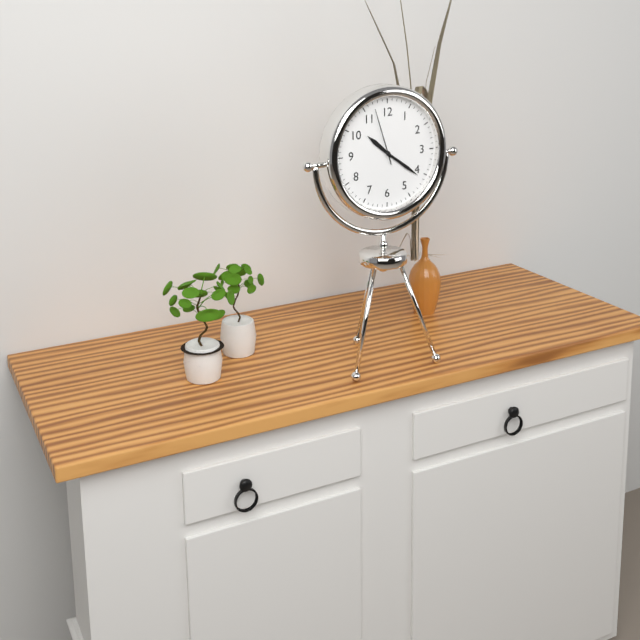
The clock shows {"hour": 10, "minute": 21, "second": 57}
